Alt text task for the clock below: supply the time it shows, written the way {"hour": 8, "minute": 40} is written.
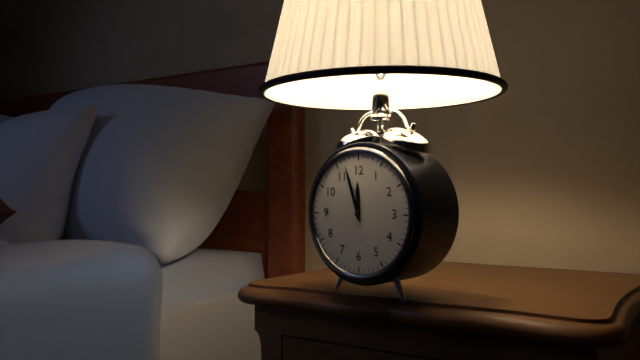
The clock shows {"hour": 11, "minute": 57}
